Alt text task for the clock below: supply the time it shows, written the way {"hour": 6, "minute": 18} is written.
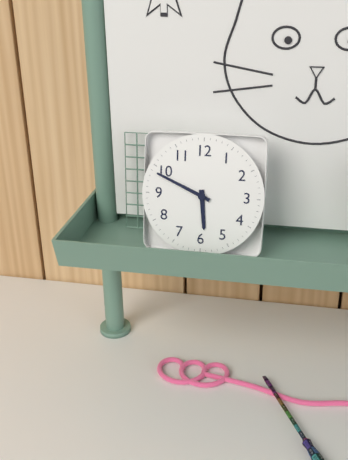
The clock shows {"hour": 5, "minute": 49}
